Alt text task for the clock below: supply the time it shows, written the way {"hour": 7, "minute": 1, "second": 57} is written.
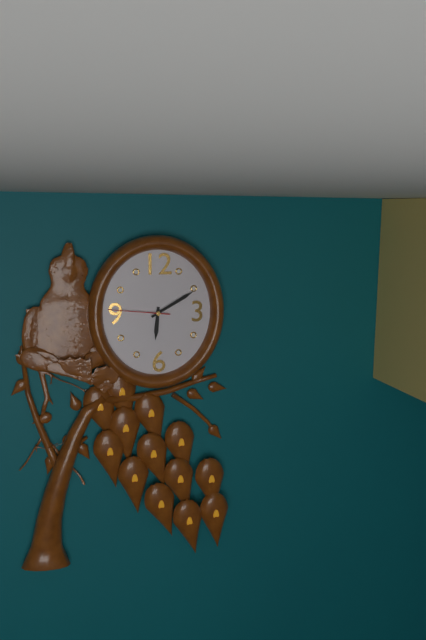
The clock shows {"hour": 6, "minute": 10, "second": 46}
